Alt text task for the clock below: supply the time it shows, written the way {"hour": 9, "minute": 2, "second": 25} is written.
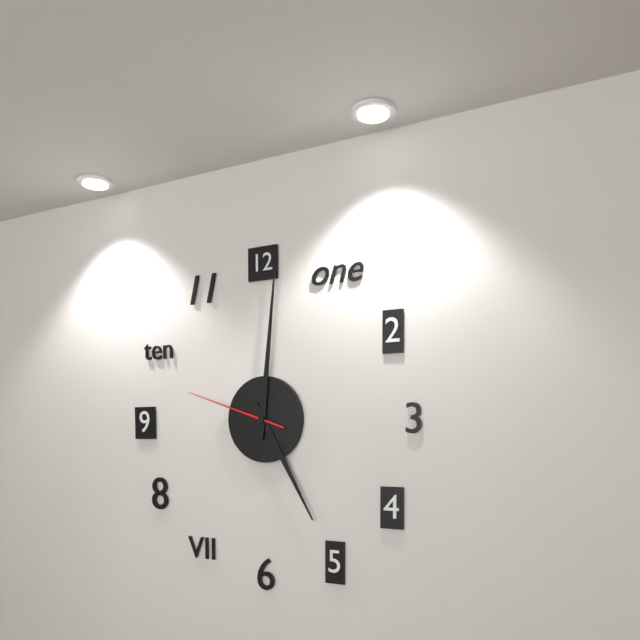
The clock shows {"hour": 5, "minute": 1, "second": 48}
